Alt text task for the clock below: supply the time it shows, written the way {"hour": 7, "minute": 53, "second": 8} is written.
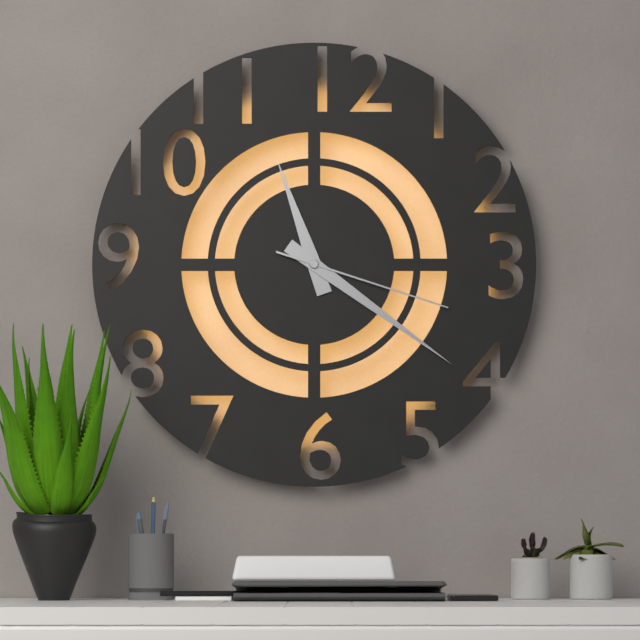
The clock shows {"hour": 11, "minute": 21, "second": 18}
